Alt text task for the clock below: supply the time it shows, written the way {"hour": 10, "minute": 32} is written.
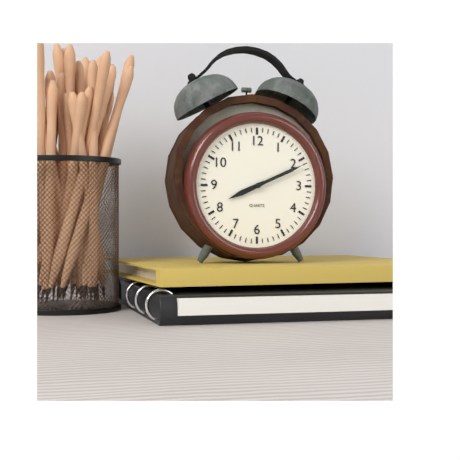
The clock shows {"hour": 8, "minute": 11}
